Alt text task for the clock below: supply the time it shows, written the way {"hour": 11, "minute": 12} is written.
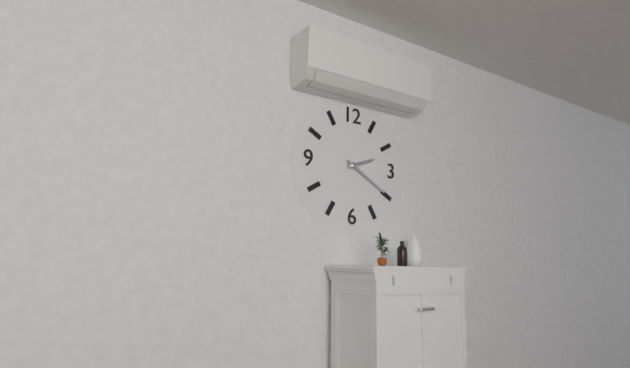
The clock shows {"hour": 2, "minute": 20}
